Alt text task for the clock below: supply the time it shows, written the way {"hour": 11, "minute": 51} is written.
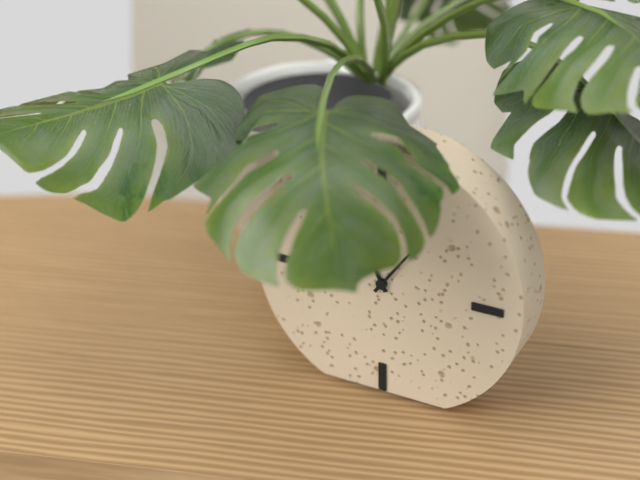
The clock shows {"hour": 11, "minute": 6}
